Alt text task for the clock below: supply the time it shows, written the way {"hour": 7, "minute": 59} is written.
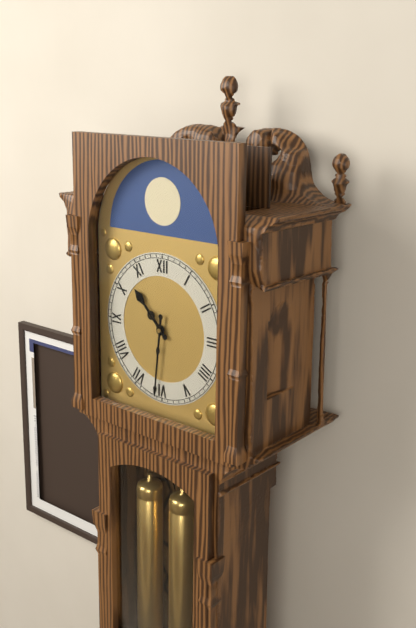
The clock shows {"hour": 10, "minute": 31}
